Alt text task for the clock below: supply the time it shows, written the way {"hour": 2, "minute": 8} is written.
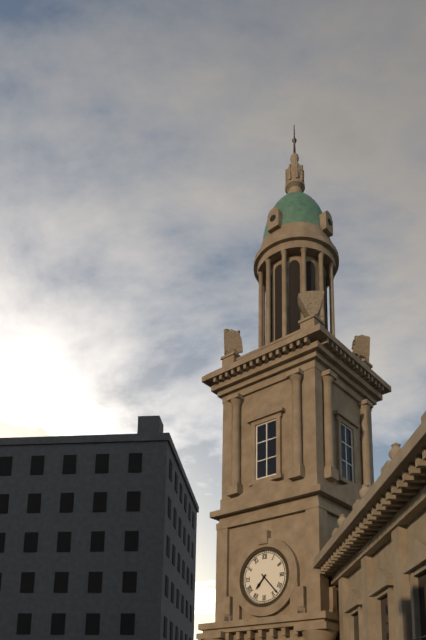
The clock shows {"hour": 7, "minute": 23}
